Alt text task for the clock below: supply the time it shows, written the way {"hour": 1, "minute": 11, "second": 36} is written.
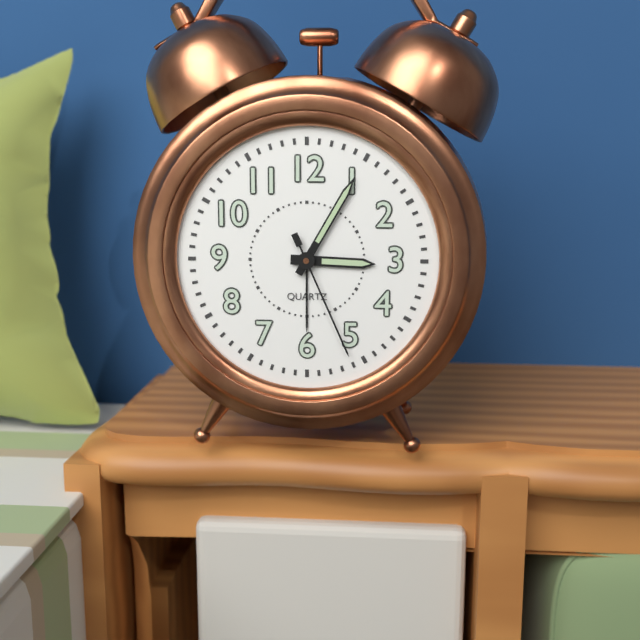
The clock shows {"hour": 3, "minute": 5, "second": 26}
